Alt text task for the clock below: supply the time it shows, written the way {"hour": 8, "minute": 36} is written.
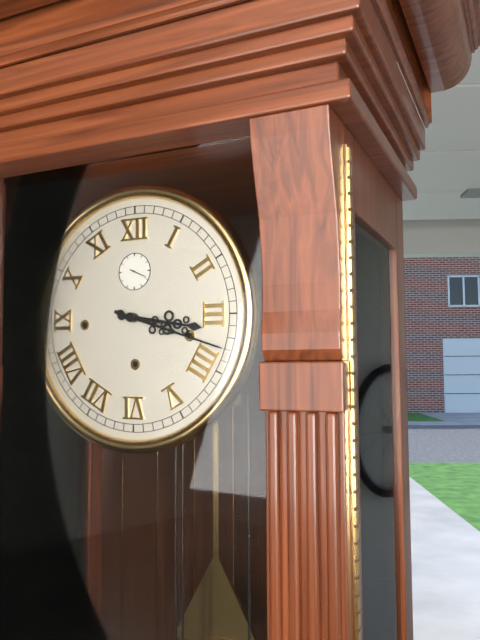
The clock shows {"hour": 3, "minute": 18}
